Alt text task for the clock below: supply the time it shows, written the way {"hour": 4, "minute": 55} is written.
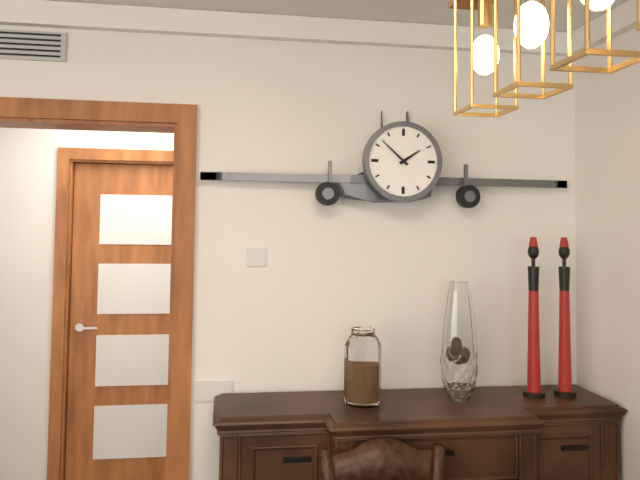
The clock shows {"hour": 1, "minute": 52}
